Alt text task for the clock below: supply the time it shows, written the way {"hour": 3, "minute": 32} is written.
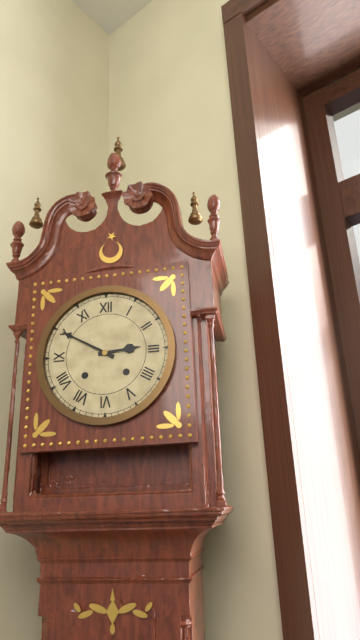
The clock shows {"hour": 2, "minute": 50}
